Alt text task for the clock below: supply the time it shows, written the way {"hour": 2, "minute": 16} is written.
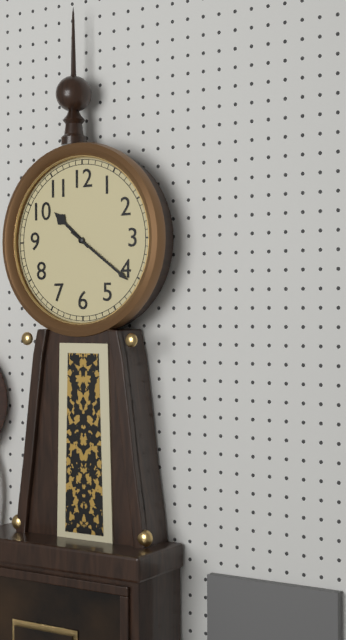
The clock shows {"hour": 10, "minute": 21}
